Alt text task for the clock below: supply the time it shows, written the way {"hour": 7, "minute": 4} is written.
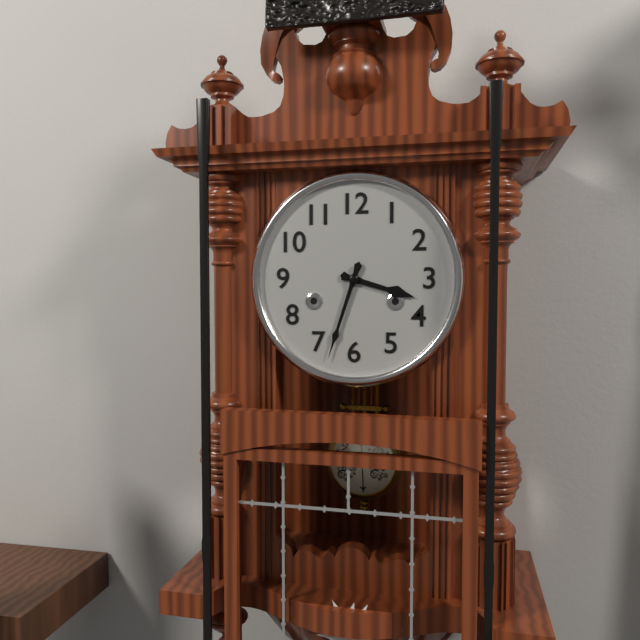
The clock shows {"hour": 3, "minute": 33}
